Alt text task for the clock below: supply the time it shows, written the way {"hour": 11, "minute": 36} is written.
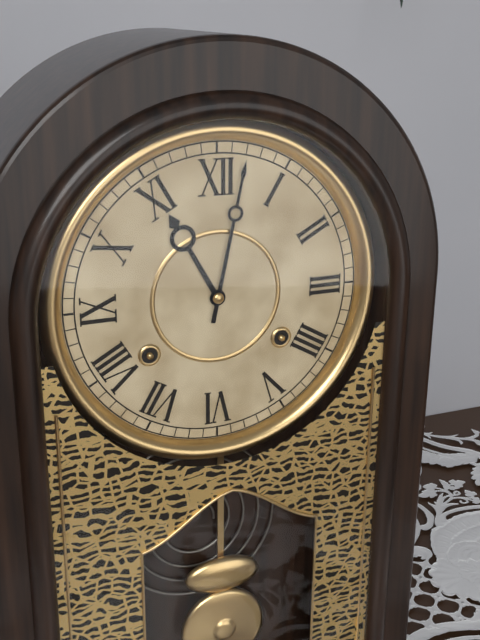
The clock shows {"hour": 11, "minute": 2}
